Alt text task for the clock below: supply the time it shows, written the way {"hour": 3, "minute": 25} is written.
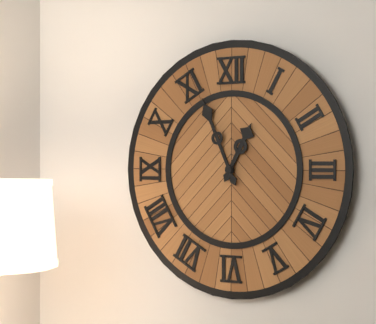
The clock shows {"hour": 12, "minute": 56}
